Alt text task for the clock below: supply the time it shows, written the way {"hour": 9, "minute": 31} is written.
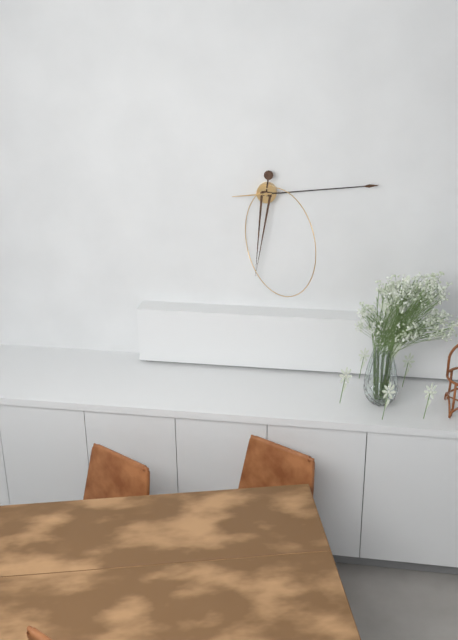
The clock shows {"hour": 6, "minute": 14}
